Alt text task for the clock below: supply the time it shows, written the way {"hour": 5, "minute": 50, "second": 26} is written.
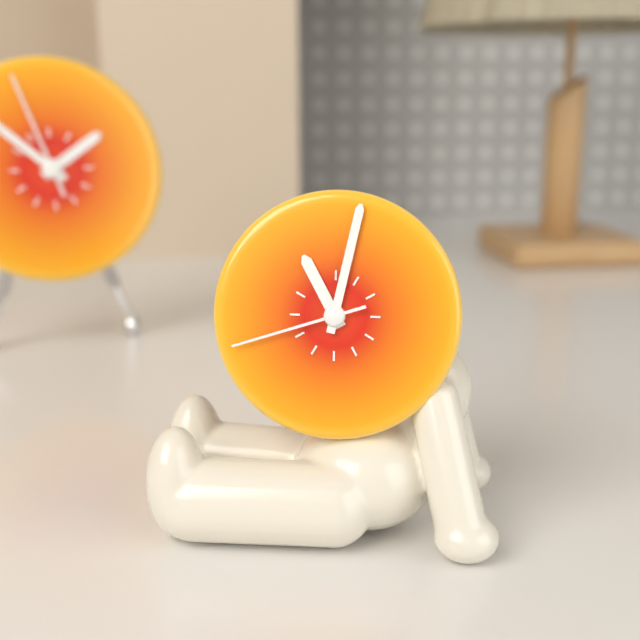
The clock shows {"hour": 11, "minute": 2, "second": 42}
